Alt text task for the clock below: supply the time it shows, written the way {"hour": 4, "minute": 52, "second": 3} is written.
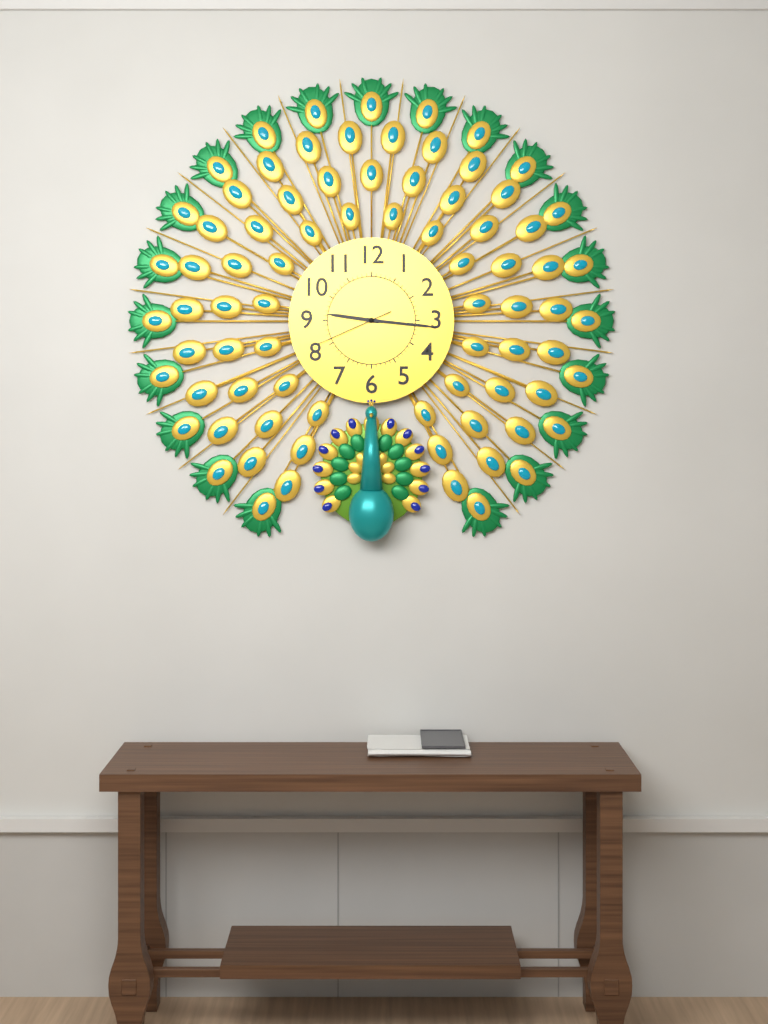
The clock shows {"hour": 9, "minute": 16, "second": 41}
